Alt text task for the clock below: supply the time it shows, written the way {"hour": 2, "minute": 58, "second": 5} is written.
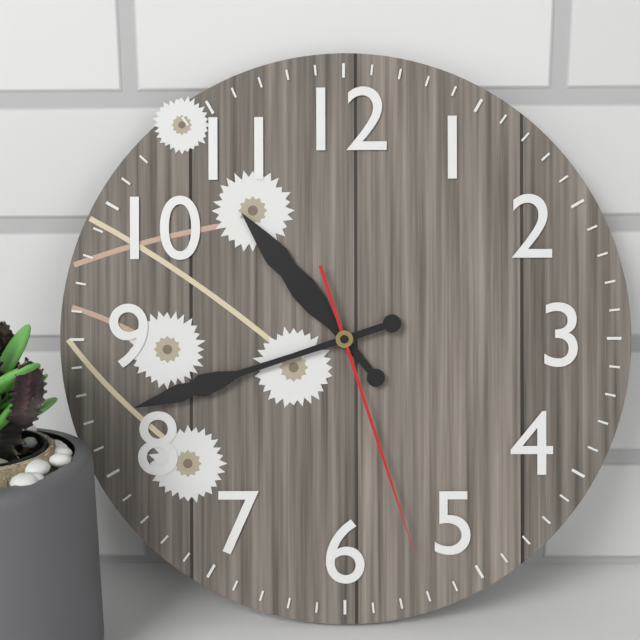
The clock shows {"hour": 10, "minute": 42, "second": 27}
